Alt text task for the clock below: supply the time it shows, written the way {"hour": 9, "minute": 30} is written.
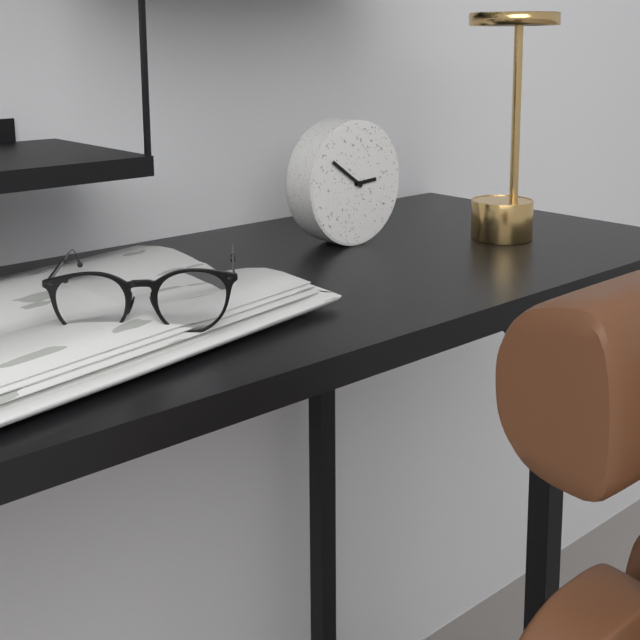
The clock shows {"hour": 2, "minute": 51}
